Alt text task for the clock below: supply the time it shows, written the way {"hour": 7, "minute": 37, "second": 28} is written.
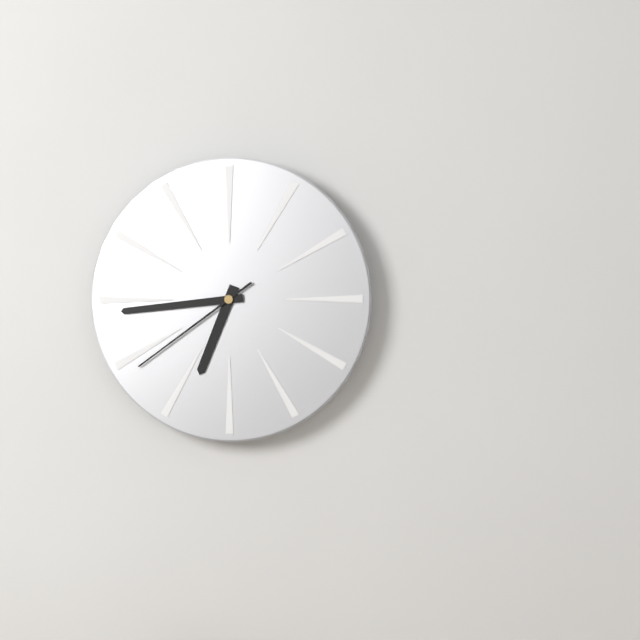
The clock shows {"hour": 6, "minute": 44, "second": 39}
